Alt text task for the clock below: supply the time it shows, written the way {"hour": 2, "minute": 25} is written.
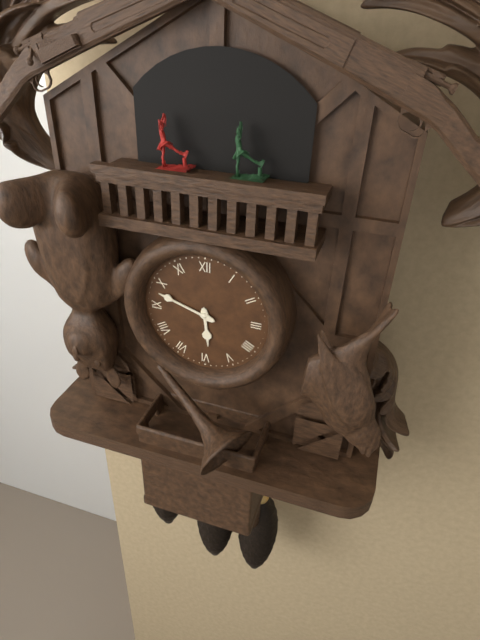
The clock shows {"hour": 5, "minute": 48}
